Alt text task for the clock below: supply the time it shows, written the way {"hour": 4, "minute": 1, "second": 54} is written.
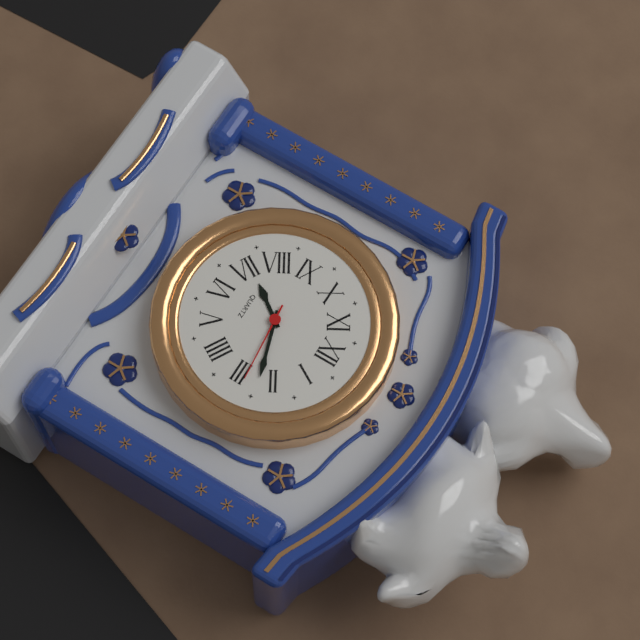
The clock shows {"hour": 7, "minute": 12, "second": 14}
